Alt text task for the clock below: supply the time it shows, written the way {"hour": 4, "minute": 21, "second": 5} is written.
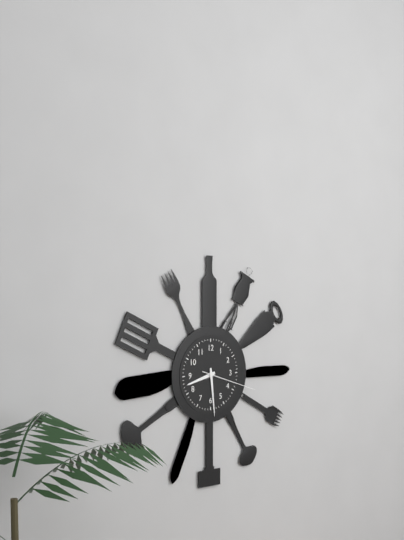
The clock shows {"hour": 8, "minute": 29, "second": 18}
